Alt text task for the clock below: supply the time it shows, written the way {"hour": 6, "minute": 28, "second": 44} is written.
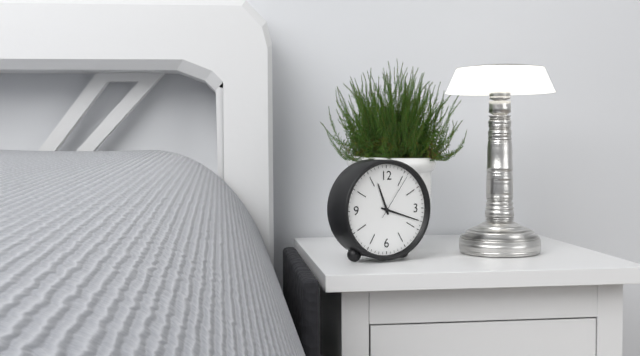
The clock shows {"hour": 11, "minute": 18, "second": 6}
